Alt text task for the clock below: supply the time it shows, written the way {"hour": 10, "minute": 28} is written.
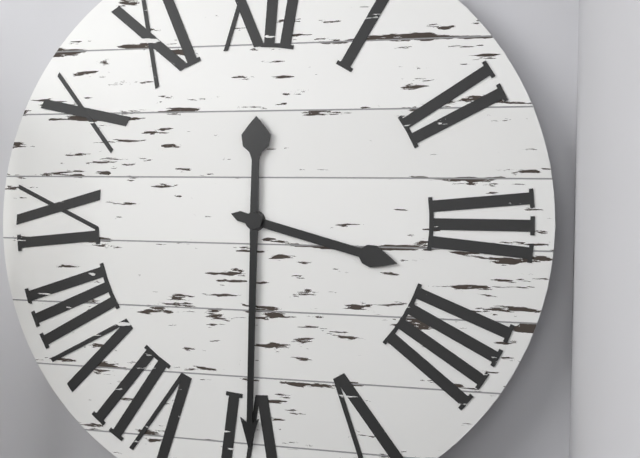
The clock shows {"hour": 3, "minute": 30}
